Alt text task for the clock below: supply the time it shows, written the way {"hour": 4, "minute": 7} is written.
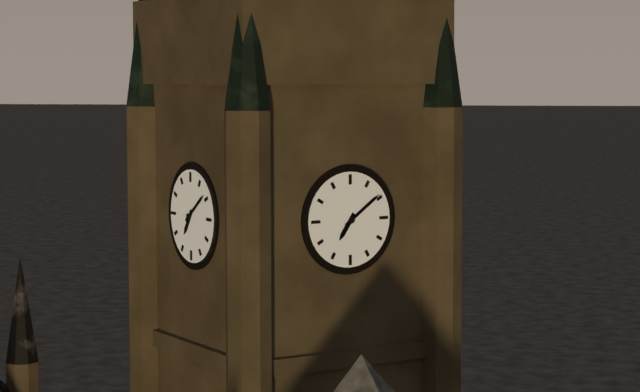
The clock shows {"hour": 7, "minute": 9}
